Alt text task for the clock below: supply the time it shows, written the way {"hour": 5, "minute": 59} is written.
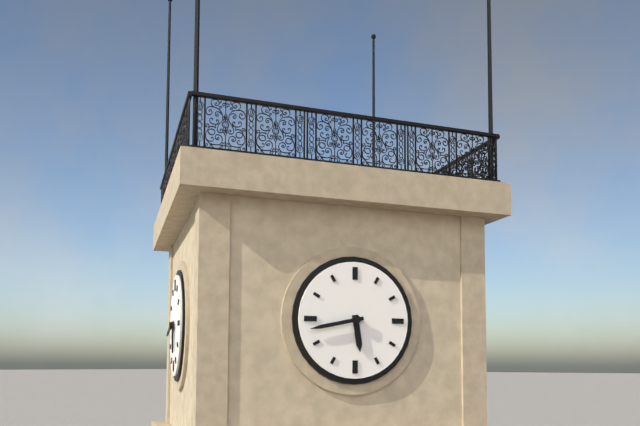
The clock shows {"hour": 5, "minute": 43}
